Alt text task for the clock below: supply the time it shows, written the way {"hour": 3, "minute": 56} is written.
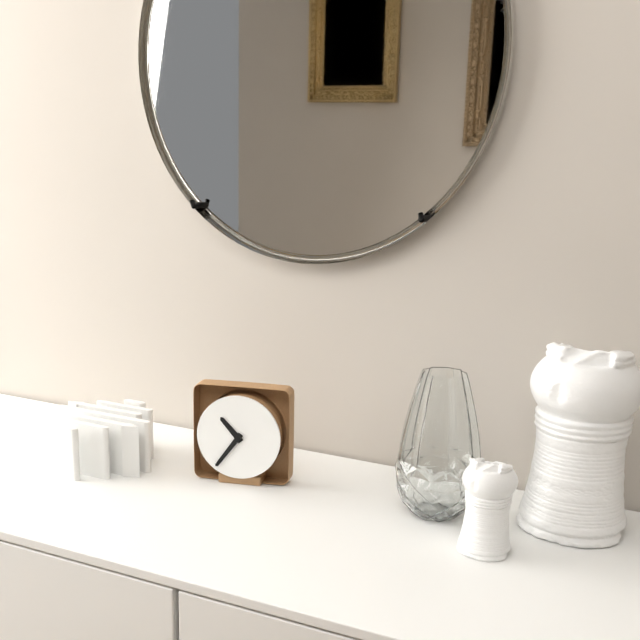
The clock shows {"hour": 10, "minute": 36}
